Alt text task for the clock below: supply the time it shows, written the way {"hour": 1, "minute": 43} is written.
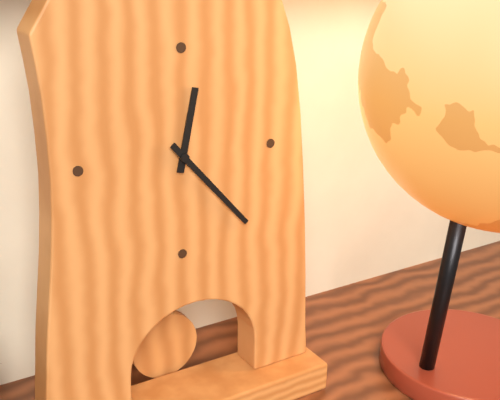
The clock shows {"hour": 12, "minute": 23}
